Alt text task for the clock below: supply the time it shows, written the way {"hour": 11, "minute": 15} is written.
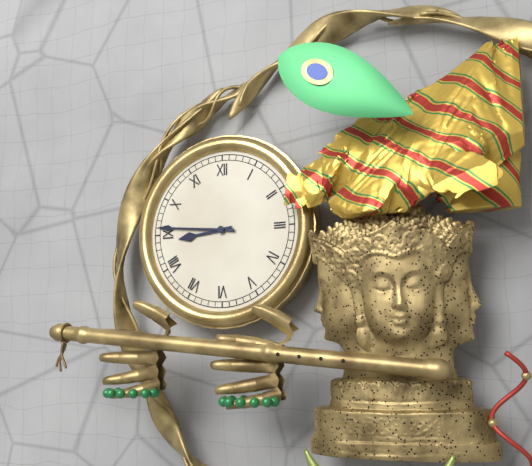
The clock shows {"hour": 8, "minute": 46}
